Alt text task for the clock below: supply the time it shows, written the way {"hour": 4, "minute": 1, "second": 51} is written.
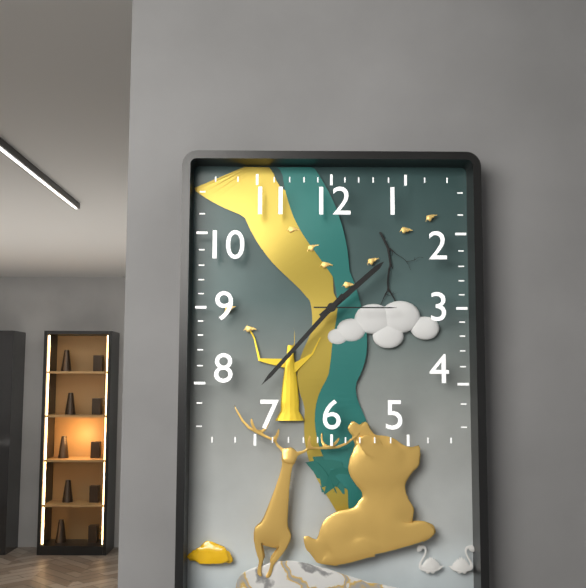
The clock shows {"hour": 1, "minute": 37, "second": 15}
